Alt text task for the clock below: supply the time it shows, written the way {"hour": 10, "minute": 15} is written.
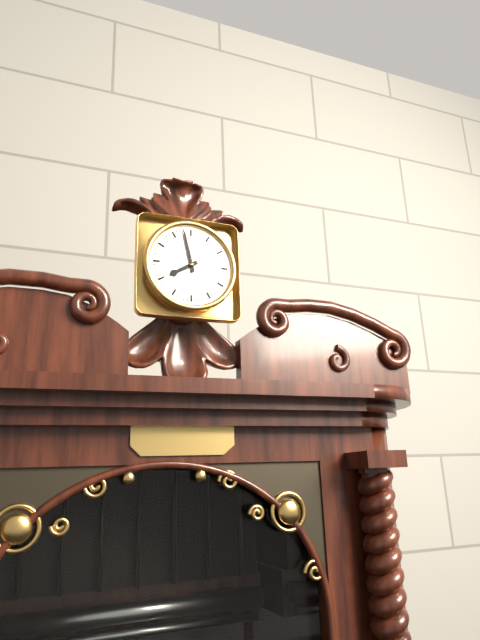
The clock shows {"hour": 7, "minute": 58}
